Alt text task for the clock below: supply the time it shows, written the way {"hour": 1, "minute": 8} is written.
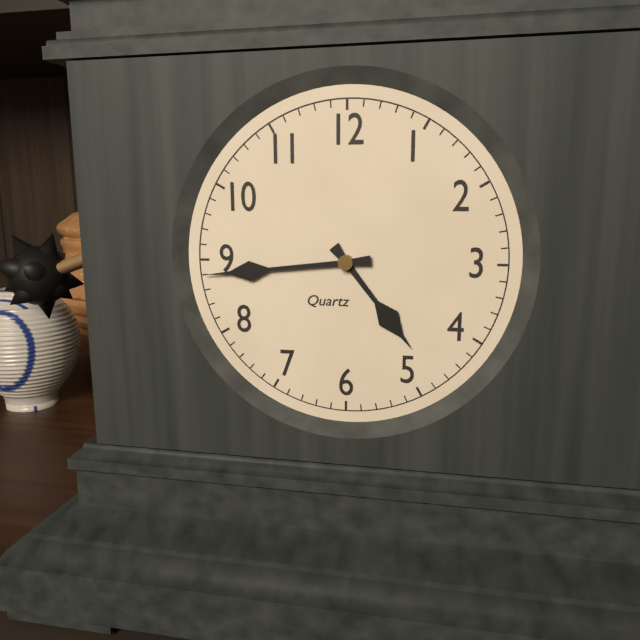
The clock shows {"hour": 4, "minute": 44}
